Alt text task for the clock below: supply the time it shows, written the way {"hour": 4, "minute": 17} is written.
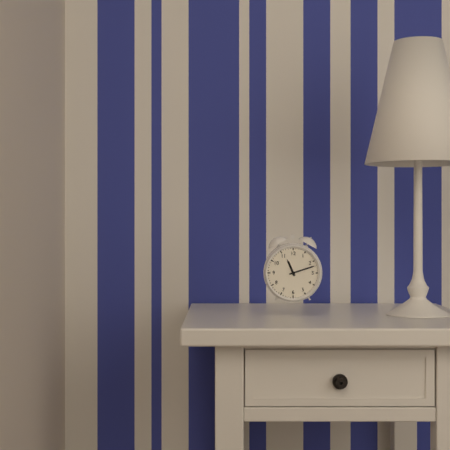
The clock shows {"hour": 11, "minute": 12}
